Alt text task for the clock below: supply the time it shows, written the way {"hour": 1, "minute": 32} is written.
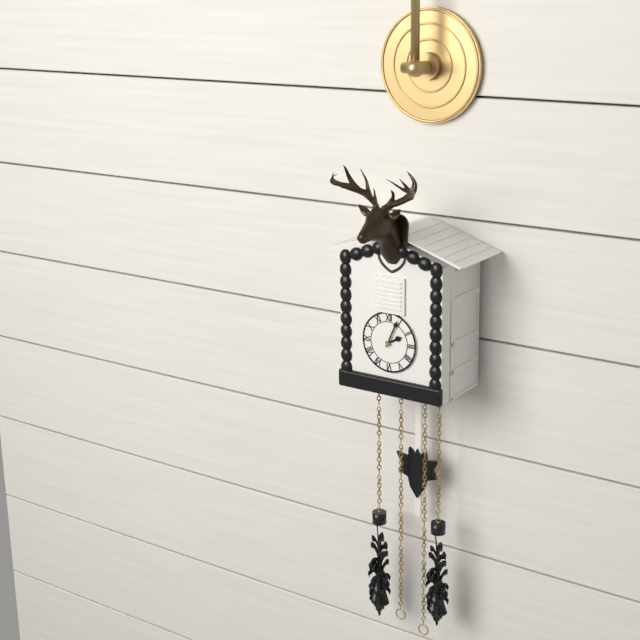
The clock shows {"hour": 2, "minute": 4}
